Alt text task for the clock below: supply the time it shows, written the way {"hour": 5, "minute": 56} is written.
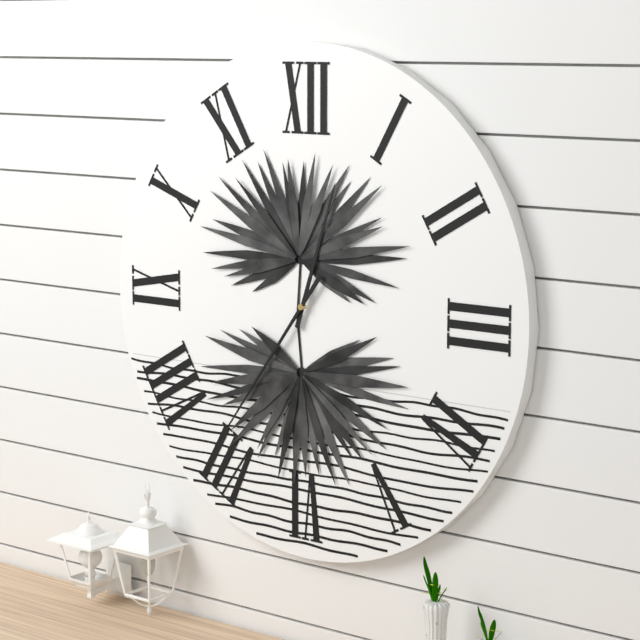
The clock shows {"hour": 12, "minute": 36}
